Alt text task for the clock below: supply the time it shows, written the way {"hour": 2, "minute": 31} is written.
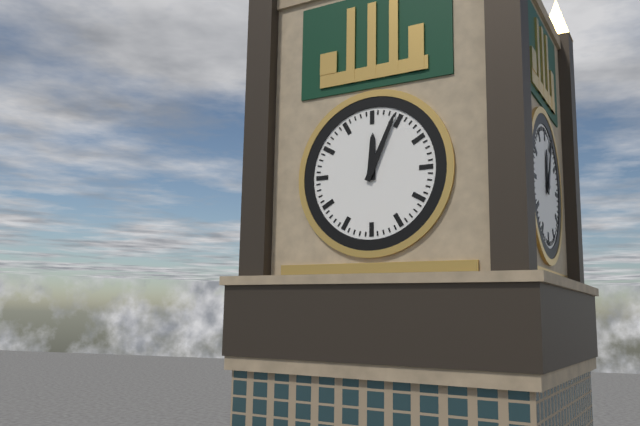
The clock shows {"hour": 12, "minute": 4}
